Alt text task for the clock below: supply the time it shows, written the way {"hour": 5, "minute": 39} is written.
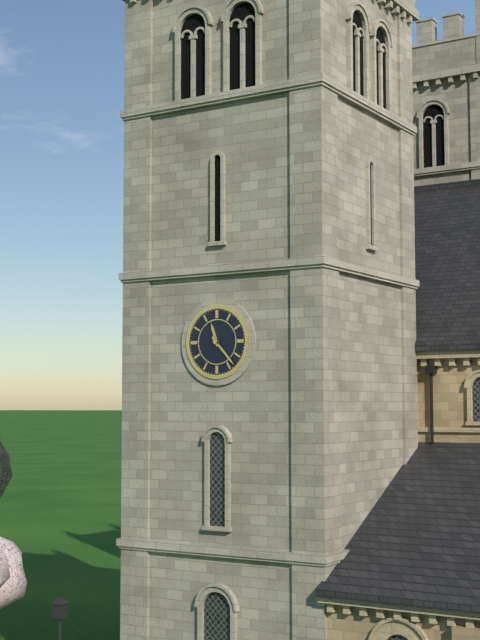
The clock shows {"hour": 11, "minute": 23}
